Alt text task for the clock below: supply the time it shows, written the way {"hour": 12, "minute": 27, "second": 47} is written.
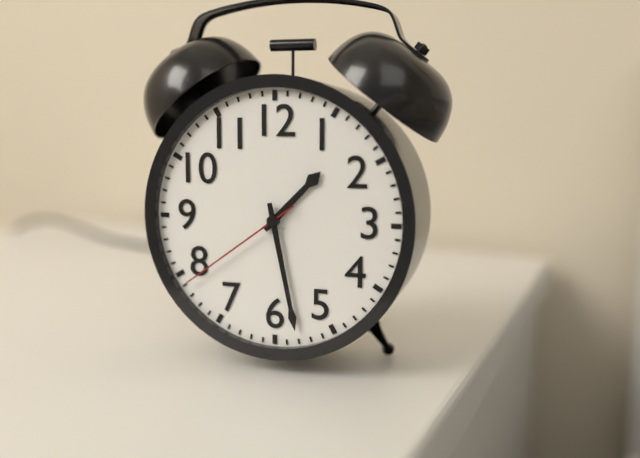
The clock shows {"hour": 1, "minute": 28, "second": 39}
